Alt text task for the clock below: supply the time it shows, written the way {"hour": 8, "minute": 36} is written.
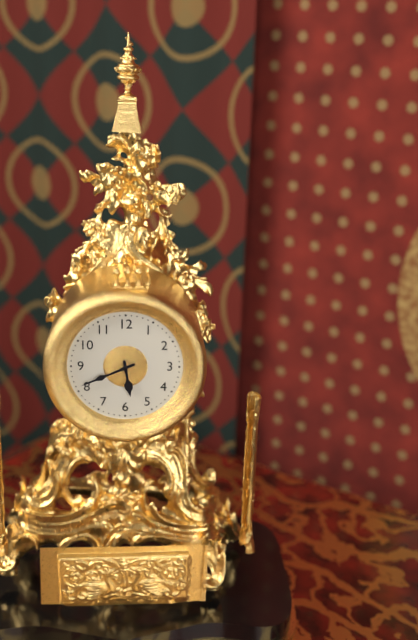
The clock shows {"hour": 5, "minute": 41}
